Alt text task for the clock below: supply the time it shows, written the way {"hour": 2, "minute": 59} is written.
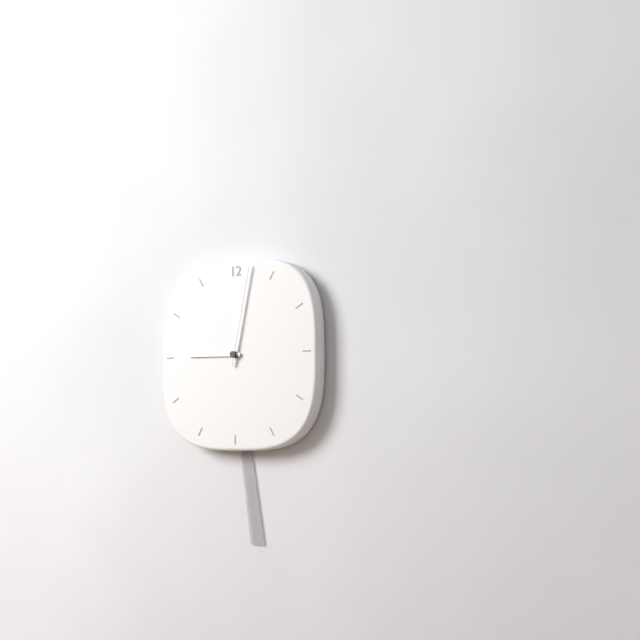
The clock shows {"hour": 9, "minute": 2}
